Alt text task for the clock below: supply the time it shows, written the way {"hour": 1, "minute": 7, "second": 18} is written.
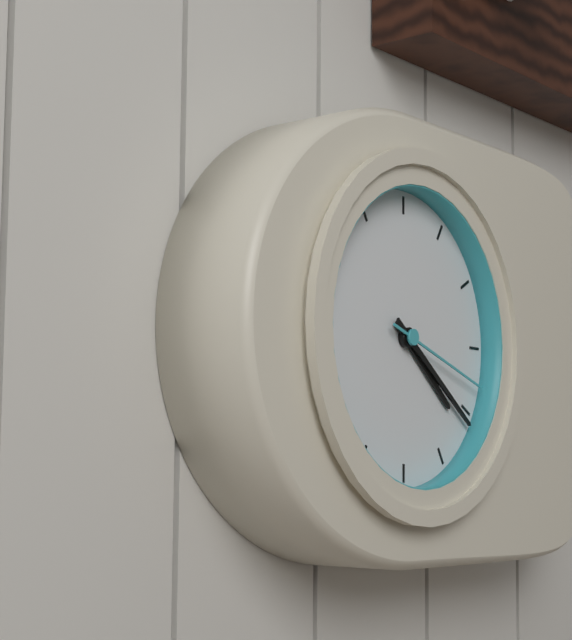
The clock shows {"hour": 4, "minute": 21, "second": 18}
